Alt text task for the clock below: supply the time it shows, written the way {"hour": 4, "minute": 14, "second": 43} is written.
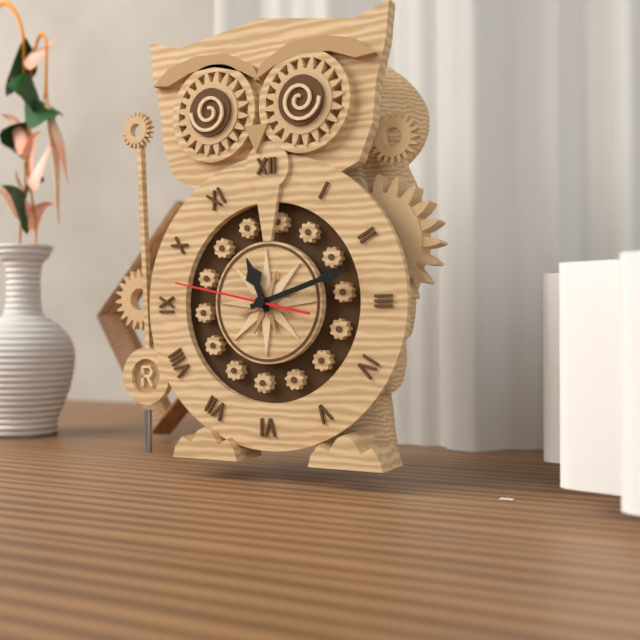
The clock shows {"hour": 11, "minute": 12, "second": 47}
